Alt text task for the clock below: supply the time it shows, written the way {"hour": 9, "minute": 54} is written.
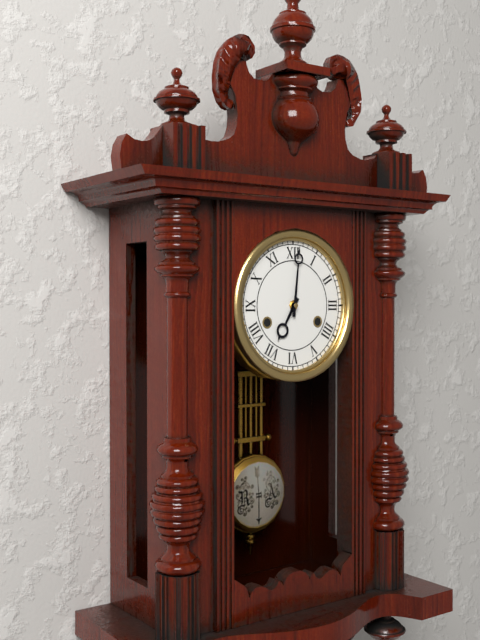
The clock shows {"hour": 7, "minute": 1}
